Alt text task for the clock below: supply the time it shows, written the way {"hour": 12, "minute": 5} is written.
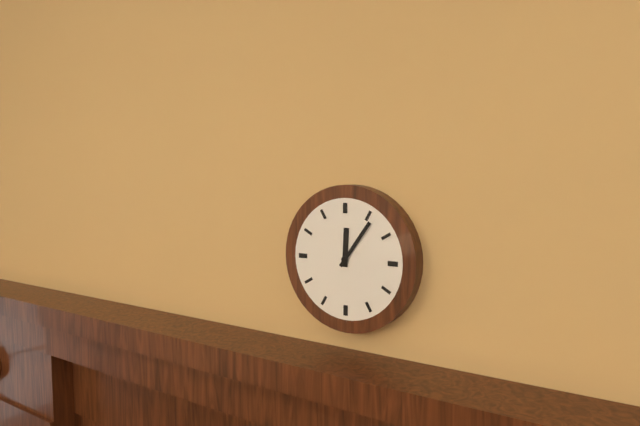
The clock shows {"hour": 12, "minute": 6}
